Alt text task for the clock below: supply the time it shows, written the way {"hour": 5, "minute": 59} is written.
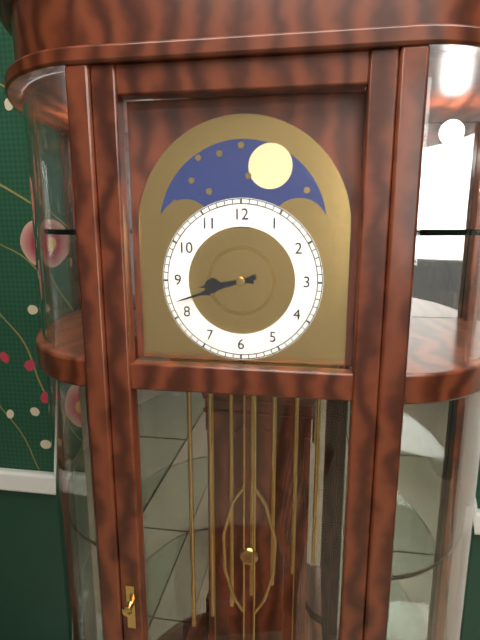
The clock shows {"hour": 8, "minute": 42}
